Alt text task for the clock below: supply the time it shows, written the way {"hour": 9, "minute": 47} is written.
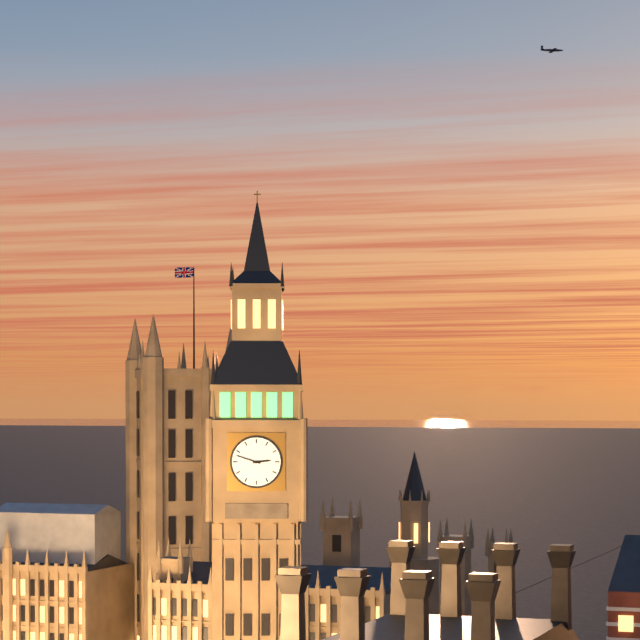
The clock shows {"hour": 2, "minute": 48}
